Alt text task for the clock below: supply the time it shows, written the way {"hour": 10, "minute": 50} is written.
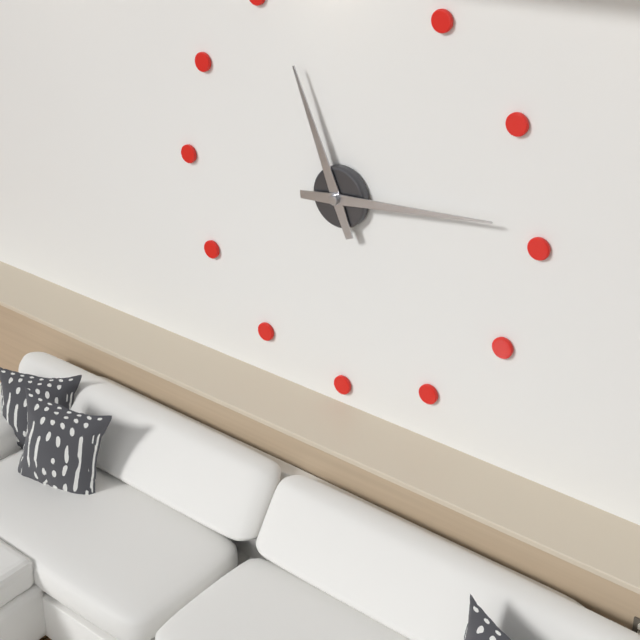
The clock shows {"hour": 11, "minute": 14}
